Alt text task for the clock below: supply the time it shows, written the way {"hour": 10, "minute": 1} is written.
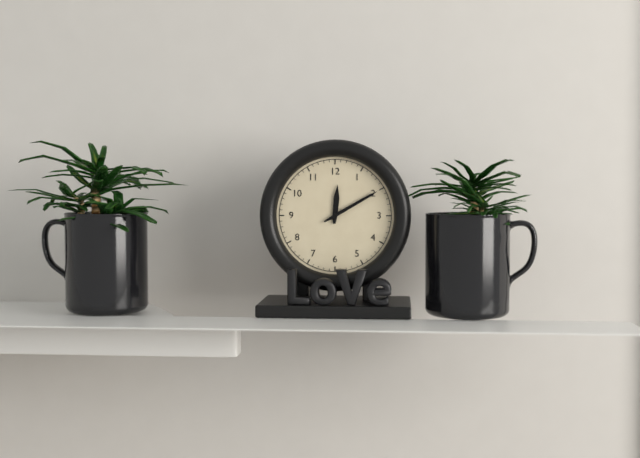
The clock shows {"hour": 12, "minute": 10}
